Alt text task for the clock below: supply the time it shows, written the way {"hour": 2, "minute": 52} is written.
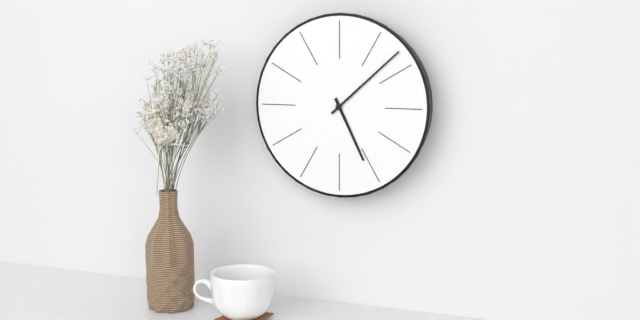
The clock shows {"hour": 5, "minute": 8}
